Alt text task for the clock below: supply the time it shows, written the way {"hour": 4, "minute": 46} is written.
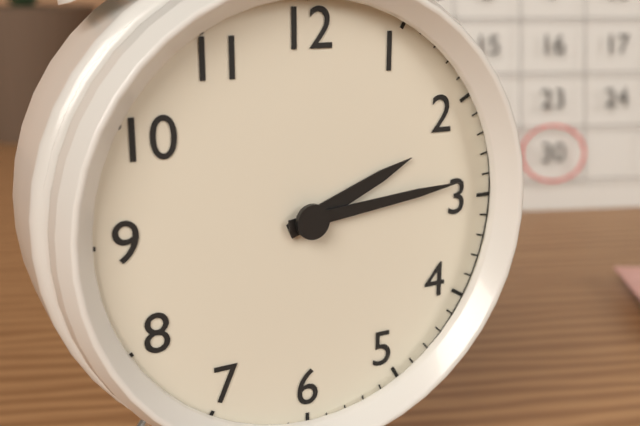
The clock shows {"hour": 2, "minute": 14}
